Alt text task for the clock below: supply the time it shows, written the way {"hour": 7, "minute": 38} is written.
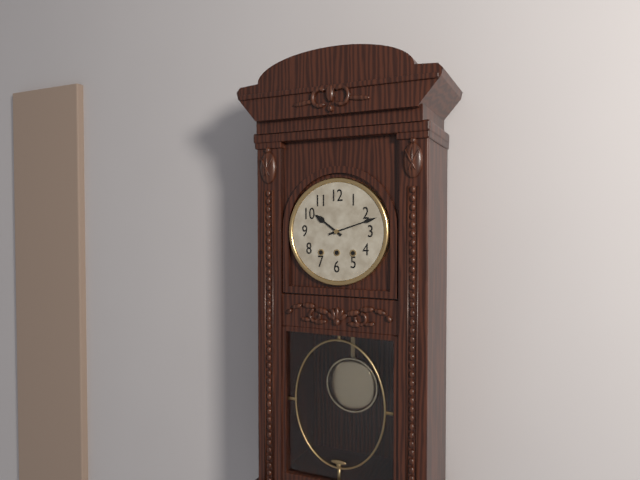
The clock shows {"hour": 10, "minute": 12}
